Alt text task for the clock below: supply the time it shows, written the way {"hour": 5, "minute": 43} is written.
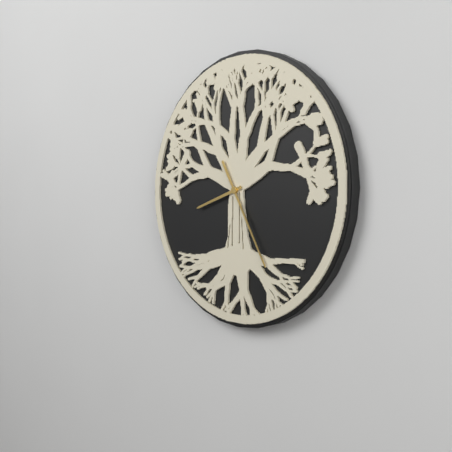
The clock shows {"hour": 8, "minute": 25}
